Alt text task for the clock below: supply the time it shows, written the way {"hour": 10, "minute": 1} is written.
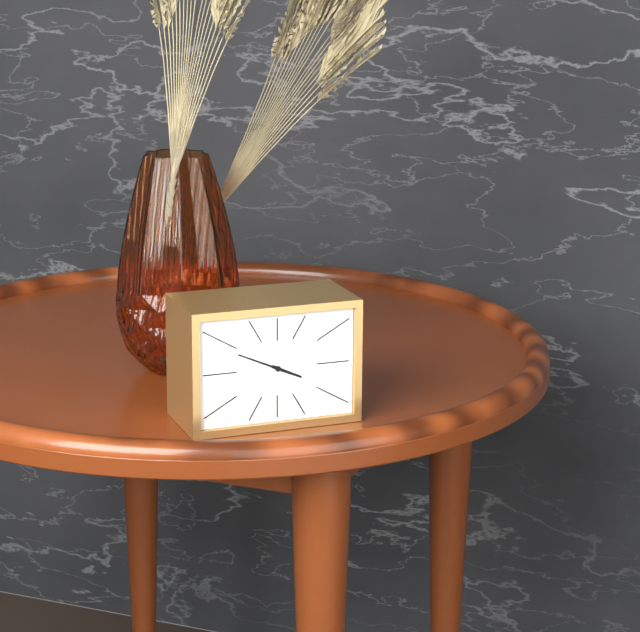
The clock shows {"hour": 3, "minute": 49}
